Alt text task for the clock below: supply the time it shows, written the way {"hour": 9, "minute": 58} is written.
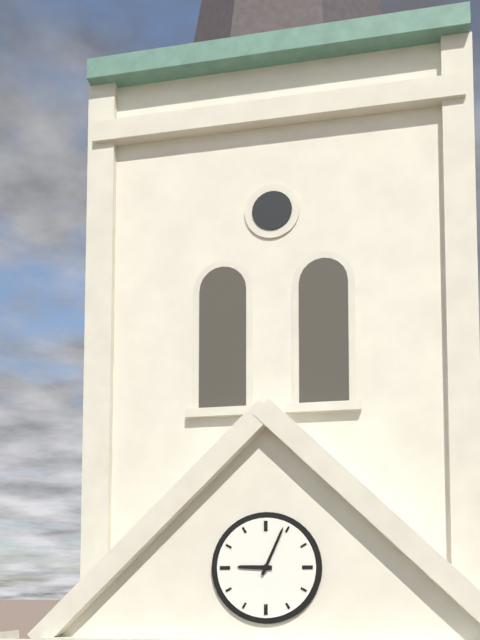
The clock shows {"hour": 9, "minute": 4}
